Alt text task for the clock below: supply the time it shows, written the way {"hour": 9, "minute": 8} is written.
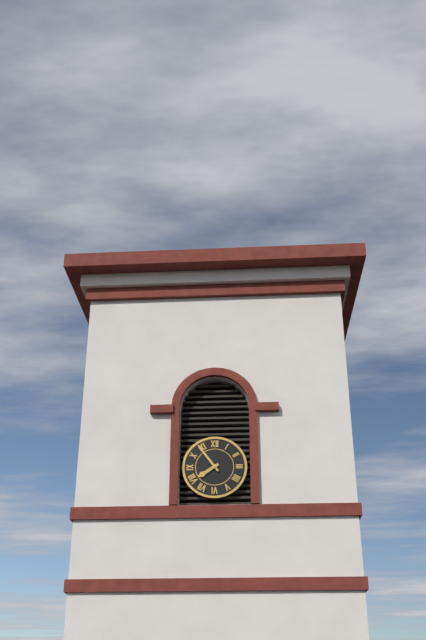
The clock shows {"hour": 7, "minute": 54}
